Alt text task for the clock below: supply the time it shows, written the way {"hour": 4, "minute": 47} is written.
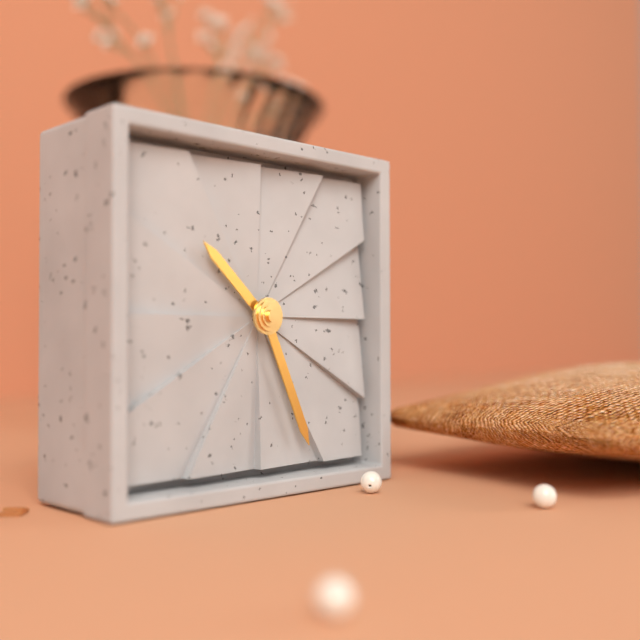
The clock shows {"hour": 10, "minute": 26}
